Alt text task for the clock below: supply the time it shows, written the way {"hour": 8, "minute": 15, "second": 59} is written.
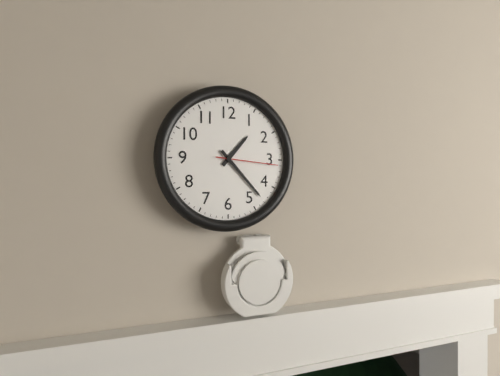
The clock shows {"hour": 1, "minute": 23, "second": 16}
